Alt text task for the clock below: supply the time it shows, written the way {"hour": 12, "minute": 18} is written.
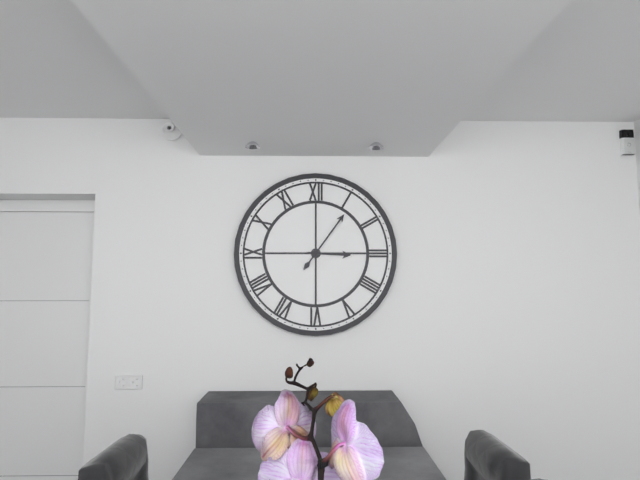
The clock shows {"hour": 3, "minute": 6}
